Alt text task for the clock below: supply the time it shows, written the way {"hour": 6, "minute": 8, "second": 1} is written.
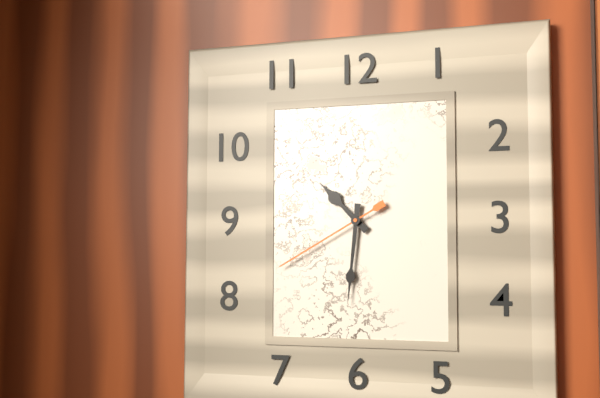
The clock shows {"hour": 10, "minute": 31, "second": 40}
